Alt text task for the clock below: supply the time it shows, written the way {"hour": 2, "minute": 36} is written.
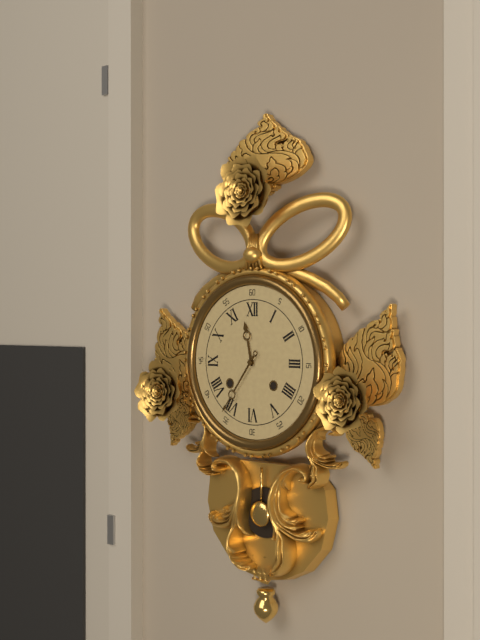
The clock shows {"hour": 11, "minute": 36}
